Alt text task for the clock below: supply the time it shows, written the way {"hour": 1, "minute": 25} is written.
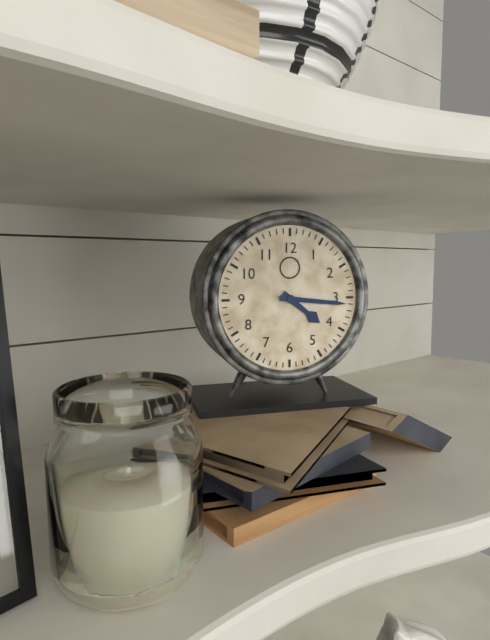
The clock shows {"hour": 4, "minute": 16}
